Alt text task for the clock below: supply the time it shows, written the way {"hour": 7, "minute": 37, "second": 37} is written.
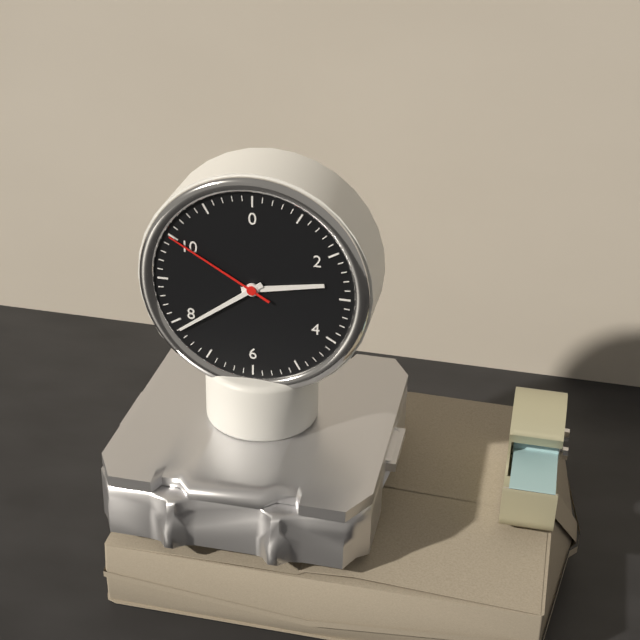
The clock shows {"hour": 2, "minute": 39, "second": 50}
